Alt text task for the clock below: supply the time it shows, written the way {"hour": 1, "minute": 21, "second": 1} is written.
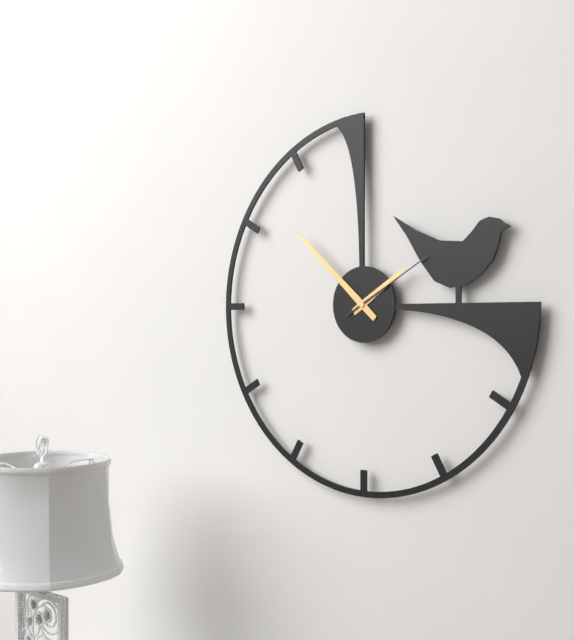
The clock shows {"hour": 1, "minute": 52, "second": 10}
